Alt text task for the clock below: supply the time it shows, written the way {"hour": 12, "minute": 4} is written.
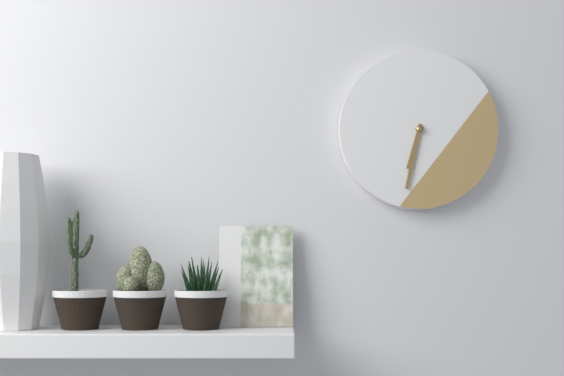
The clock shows {"hour": 6, "minute": 32}
